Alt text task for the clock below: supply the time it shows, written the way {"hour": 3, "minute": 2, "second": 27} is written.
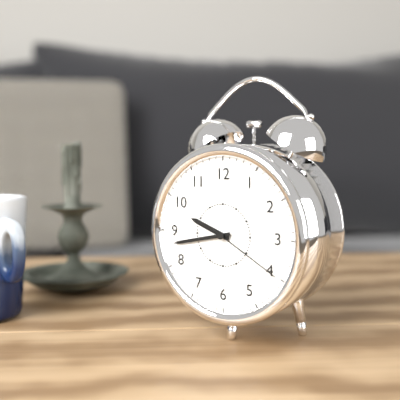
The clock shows {"hour": 9, "minute": 43, "second": 20}
